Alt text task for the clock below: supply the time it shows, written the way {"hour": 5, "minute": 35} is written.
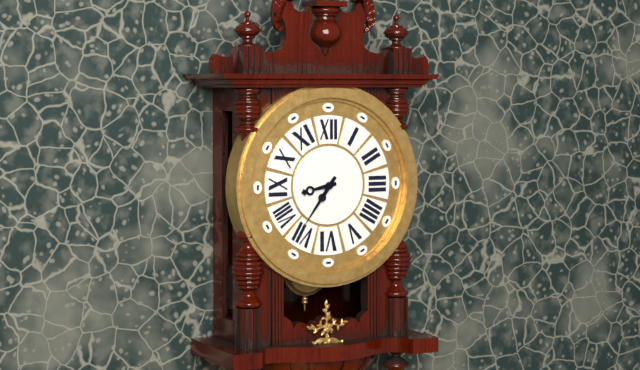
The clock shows {"hour": 8, "minute": 36}
